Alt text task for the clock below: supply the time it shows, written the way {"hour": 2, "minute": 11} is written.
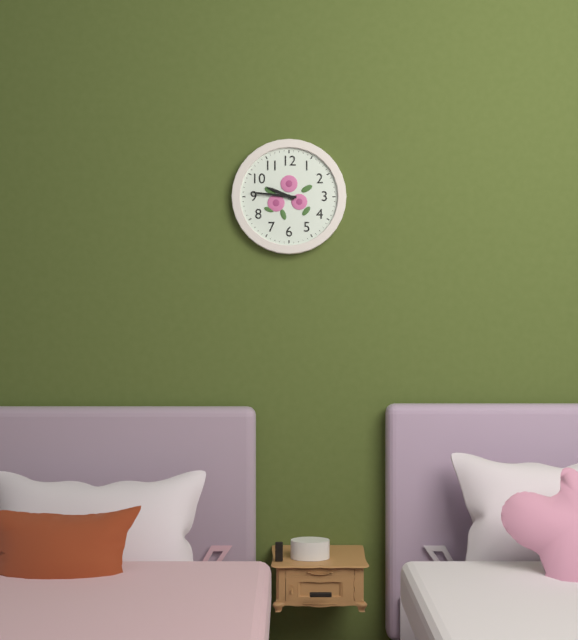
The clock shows {"hour": 9, "minute": 46}
